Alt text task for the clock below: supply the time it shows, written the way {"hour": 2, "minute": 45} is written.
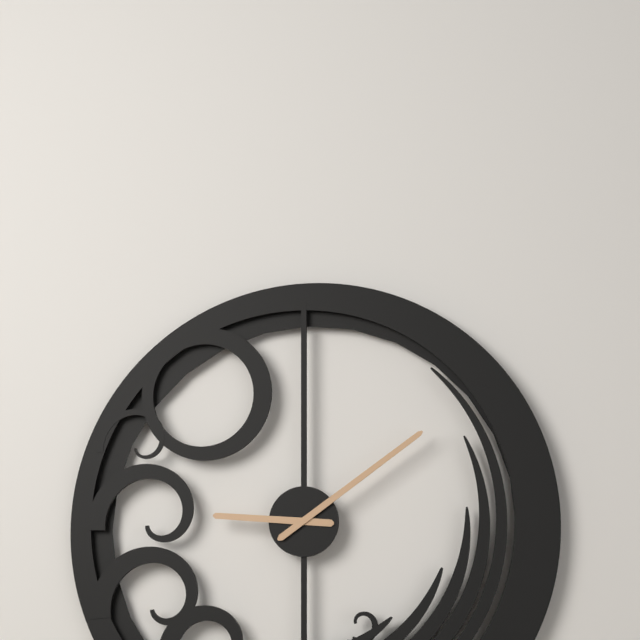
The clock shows {"hour": 9, "minute": 9}
